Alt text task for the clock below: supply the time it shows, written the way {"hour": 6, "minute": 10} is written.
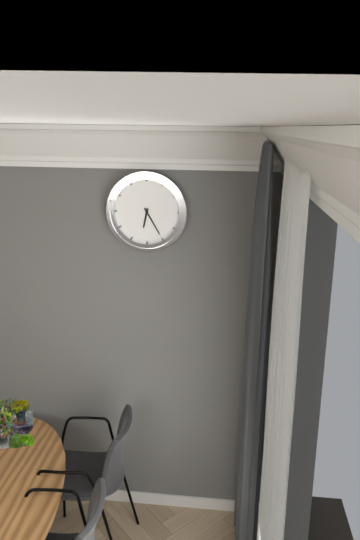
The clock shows {"hour": 6, "minute": 25}
